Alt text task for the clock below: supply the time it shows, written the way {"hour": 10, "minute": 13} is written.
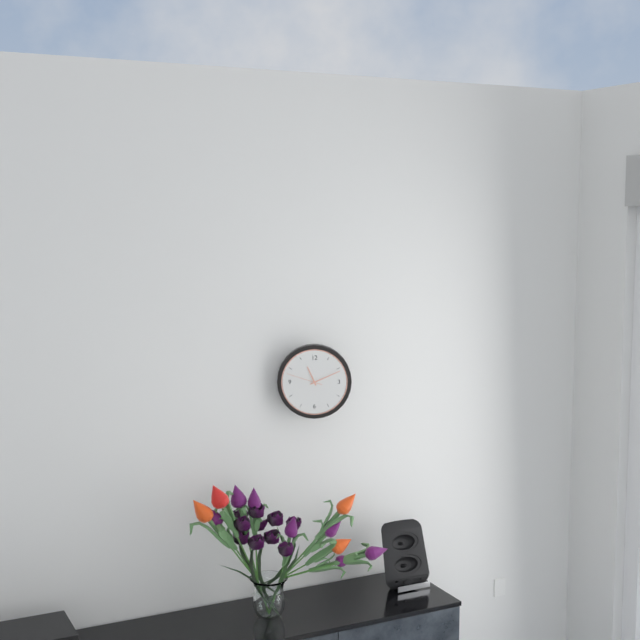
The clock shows {"hour": 11, "minute": 11}
